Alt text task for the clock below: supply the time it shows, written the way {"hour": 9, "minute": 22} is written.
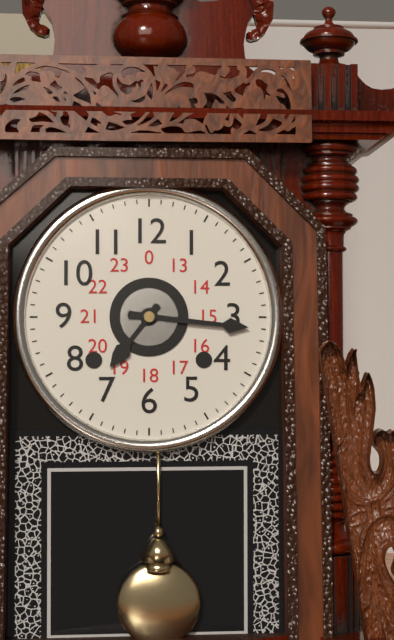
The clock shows {"hour": 7, "minute": 16}
